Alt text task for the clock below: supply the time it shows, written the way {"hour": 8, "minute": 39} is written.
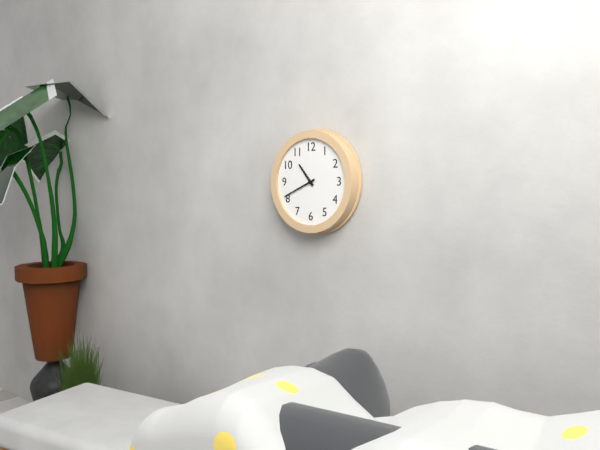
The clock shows {"hour": 10, "minute": 41}
